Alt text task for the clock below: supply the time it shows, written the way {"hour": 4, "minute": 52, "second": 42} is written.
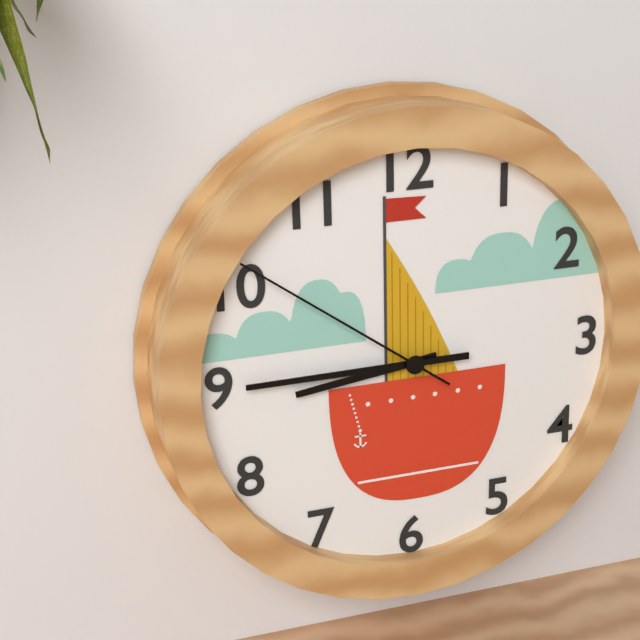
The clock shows {"hour": 8, "minute": 45, "second": 51}
